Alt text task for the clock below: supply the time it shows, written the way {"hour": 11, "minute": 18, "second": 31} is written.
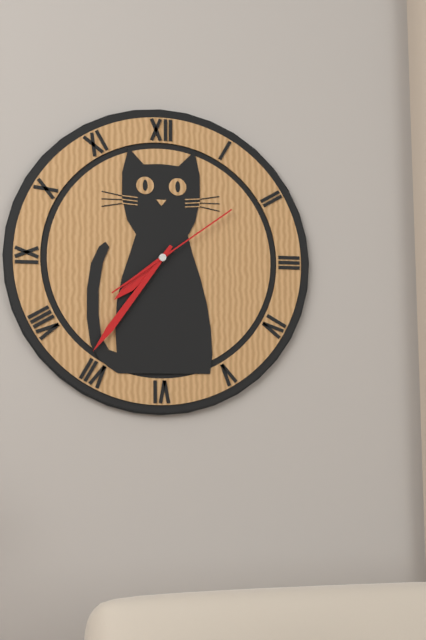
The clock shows {"hour": 7, "minute": 36, "second": 9}
